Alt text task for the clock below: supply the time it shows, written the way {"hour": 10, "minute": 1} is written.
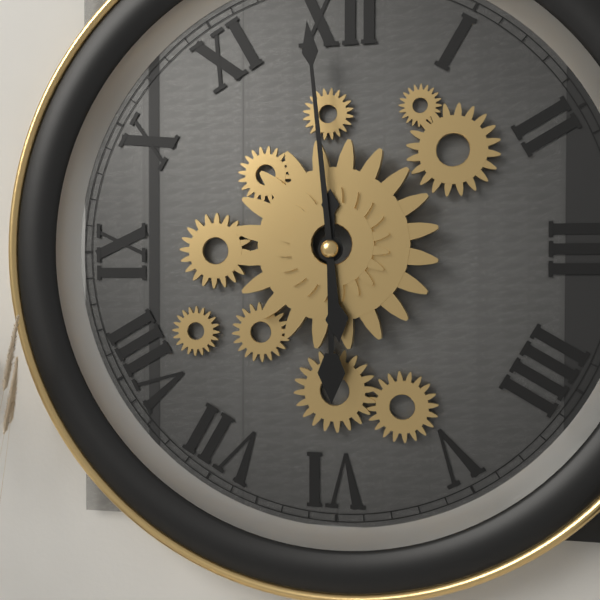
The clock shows {"hour": 5, "minute": 59}
